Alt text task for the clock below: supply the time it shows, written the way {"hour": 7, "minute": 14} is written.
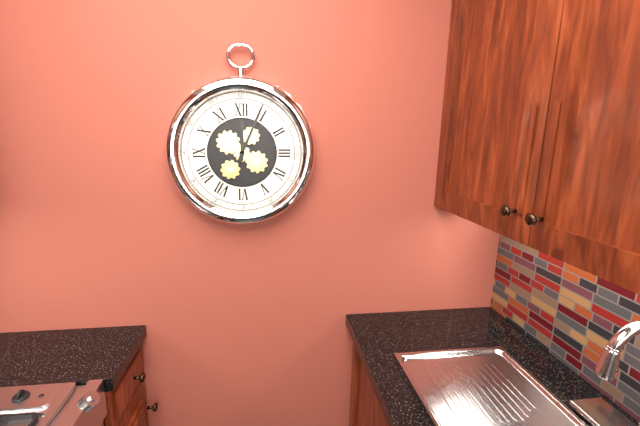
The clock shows {"hour": 12, "minute": 4}
